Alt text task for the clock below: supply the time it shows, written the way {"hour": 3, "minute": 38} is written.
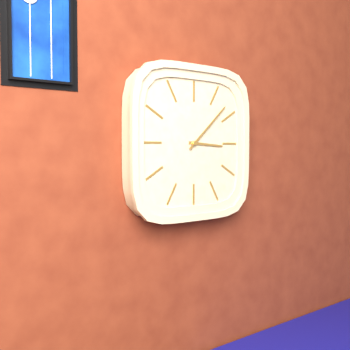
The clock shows {"hour": 3, "minute": 8}
